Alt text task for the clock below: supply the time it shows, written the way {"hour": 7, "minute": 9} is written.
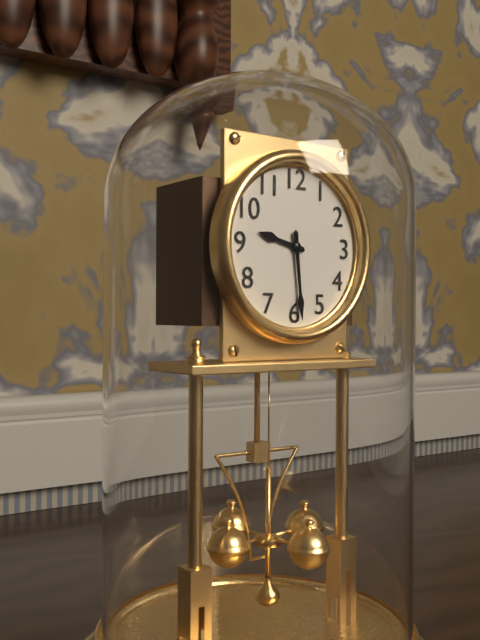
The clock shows {"hour": 9, "minute": 29}
